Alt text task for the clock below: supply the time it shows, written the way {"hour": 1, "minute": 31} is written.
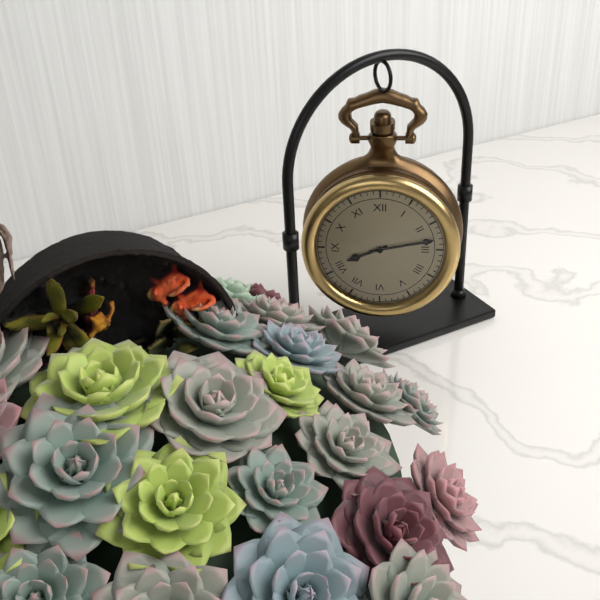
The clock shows {"hour": 8, "minute": 13}
